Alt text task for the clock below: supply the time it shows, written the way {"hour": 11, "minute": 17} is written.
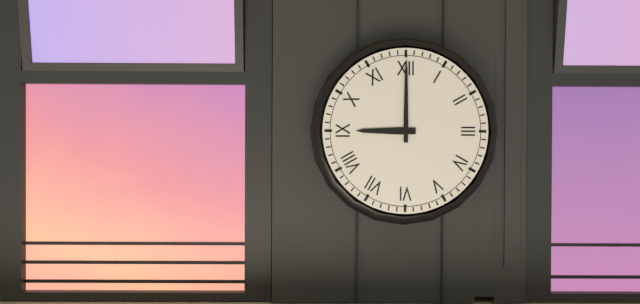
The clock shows {"hour": 9, "minute": 0}
